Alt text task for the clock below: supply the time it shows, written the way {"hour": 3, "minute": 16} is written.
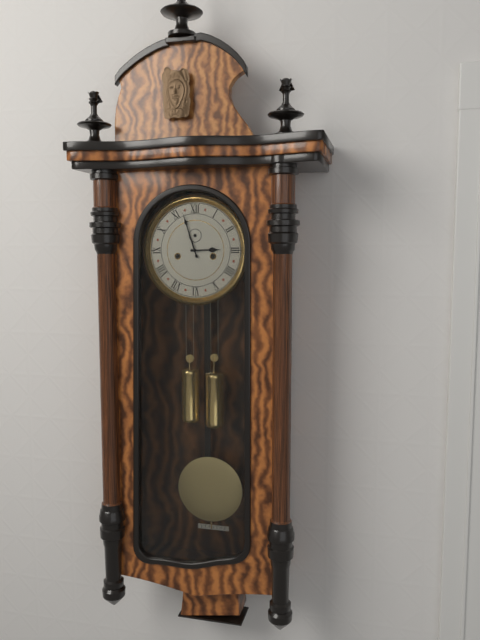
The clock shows {"hour": 2, "minute": 57}
